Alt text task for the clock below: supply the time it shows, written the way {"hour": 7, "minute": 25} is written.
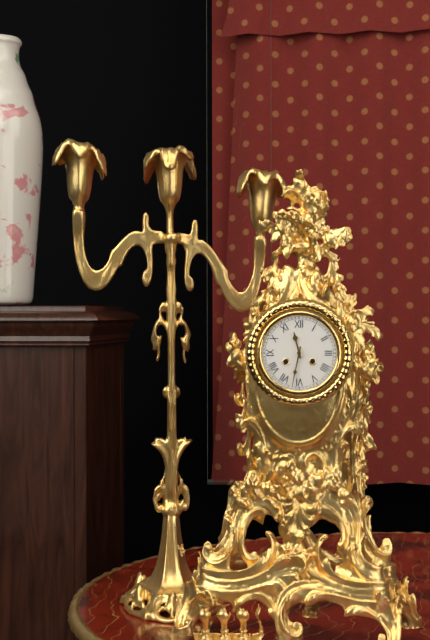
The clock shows {"hour": 11, "minute": 32}
